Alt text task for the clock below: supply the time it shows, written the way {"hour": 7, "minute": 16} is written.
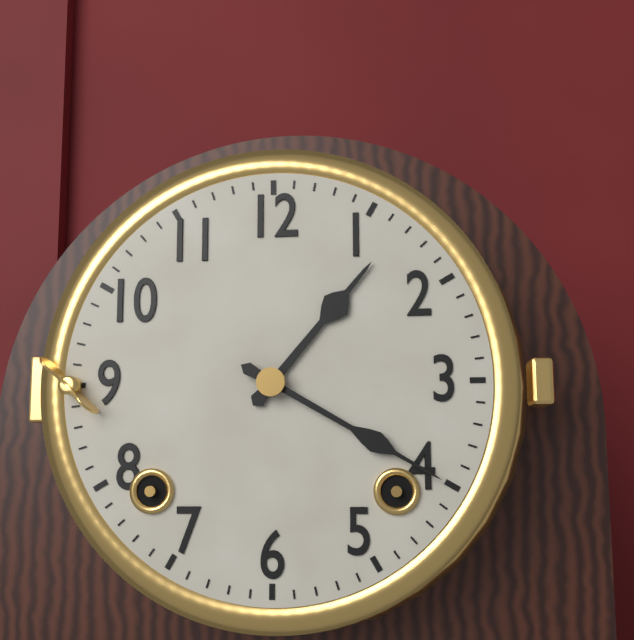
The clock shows {"hour": 1, "minute": 20}
